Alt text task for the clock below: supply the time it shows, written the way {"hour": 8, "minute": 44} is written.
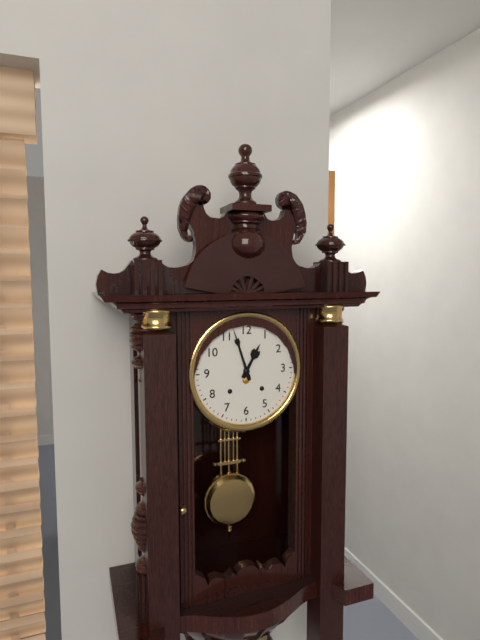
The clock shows {"hour": 12, "minute": 57}
